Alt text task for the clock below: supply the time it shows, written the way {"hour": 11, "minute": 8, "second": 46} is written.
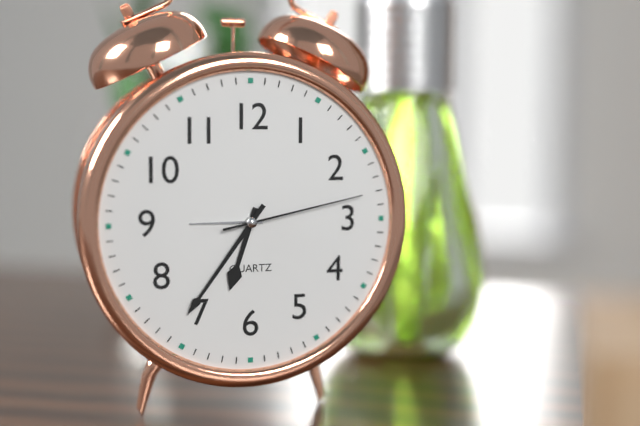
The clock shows {"hour": 6, "minute": 36, "second": 13}
